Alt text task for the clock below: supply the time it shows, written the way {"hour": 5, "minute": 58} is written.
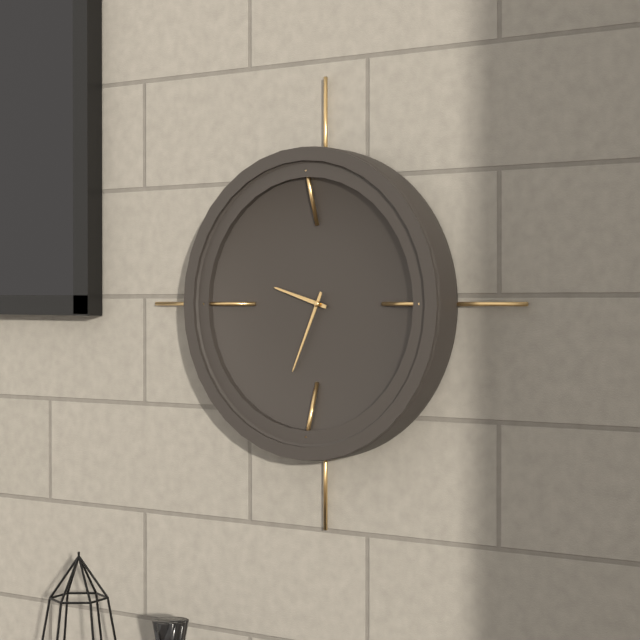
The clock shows {"hour": 9, "minute": 34}
